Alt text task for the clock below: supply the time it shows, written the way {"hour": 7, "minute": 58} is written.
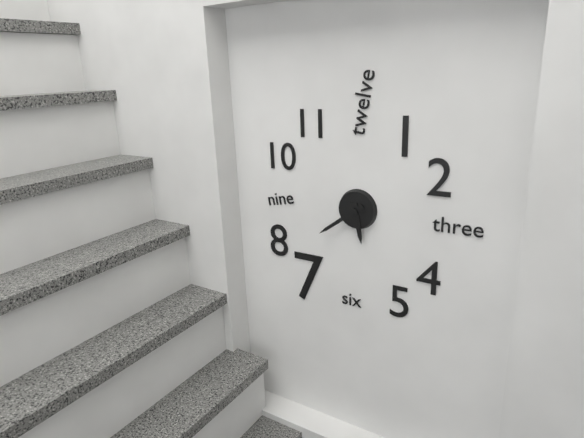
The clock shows {"hour": 5, "minute": 39}
